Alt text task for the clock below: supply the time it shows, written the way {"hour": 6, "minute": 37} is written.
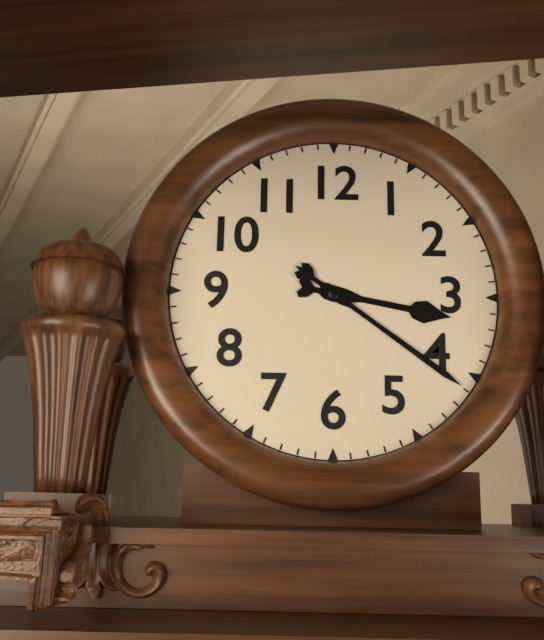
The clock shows {"hour": 3, "minute": 21}
